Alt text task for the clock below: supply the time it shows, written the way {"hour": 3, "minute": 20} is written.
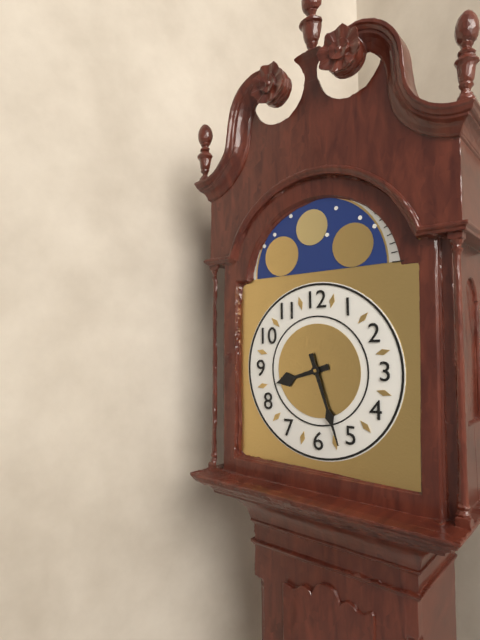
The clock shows {"hour": 8, "minute": 27}
